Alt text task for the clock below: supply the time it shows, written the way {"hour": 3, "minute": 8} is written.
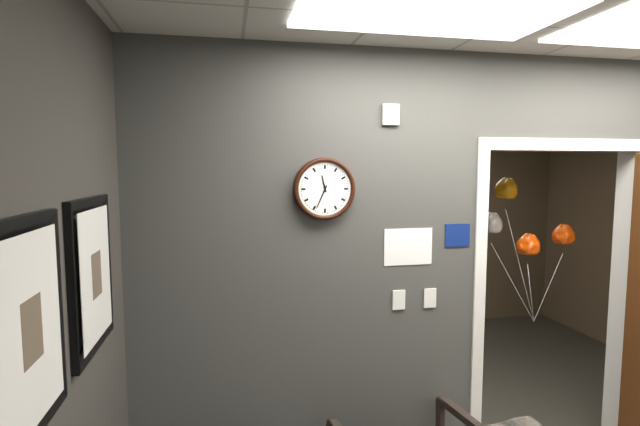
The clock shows {"hour": 11, "minute": 34}
